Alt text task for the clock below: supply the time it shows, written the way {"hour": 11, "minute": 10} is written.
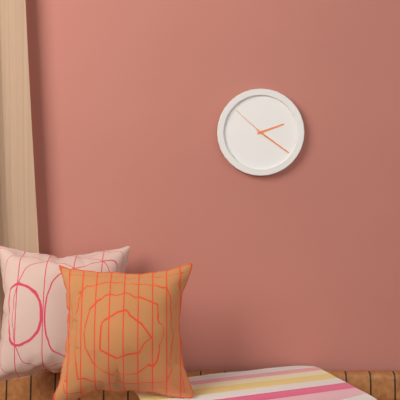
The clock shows {"hour": 2, "minute": 21}
